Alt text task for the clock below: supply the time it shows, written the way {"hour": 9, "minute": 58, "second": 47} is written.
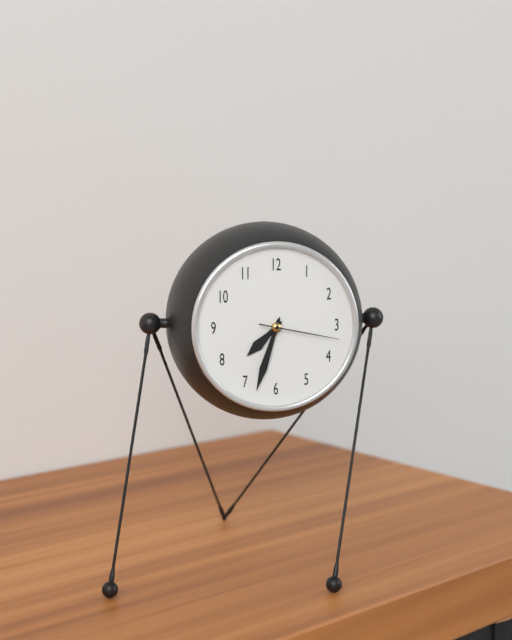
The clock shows {"hour": 7, "minute": 33, "second": 17}
